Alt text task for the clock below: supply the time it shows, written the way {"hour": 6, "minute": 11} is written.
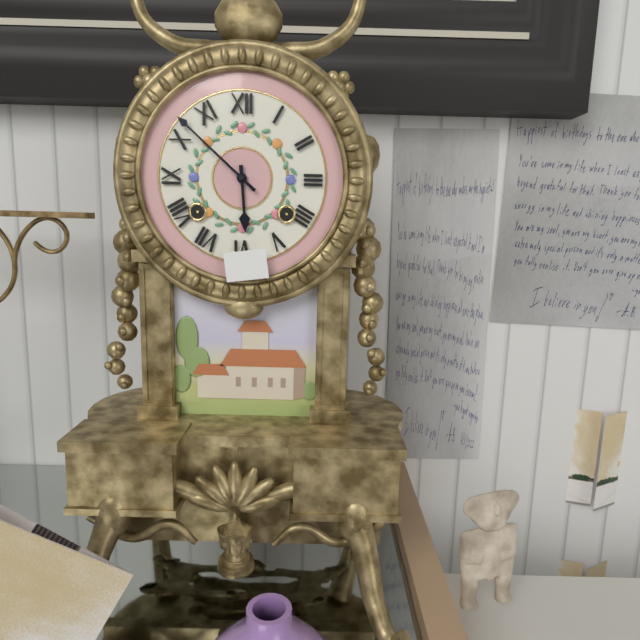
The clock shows {"hour": 5, "minute": 52}
